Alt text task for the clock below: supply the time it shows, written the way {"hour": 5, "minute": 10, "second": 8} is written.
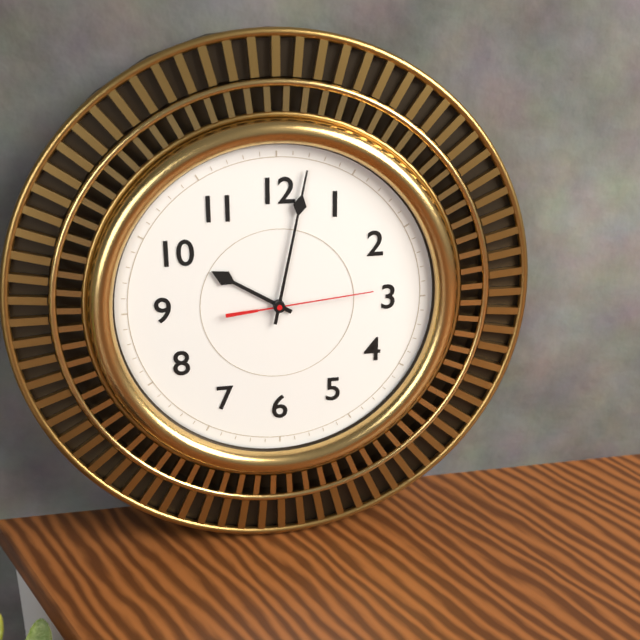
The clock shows {"hour": 10, "minute": 2, "second": 14}
